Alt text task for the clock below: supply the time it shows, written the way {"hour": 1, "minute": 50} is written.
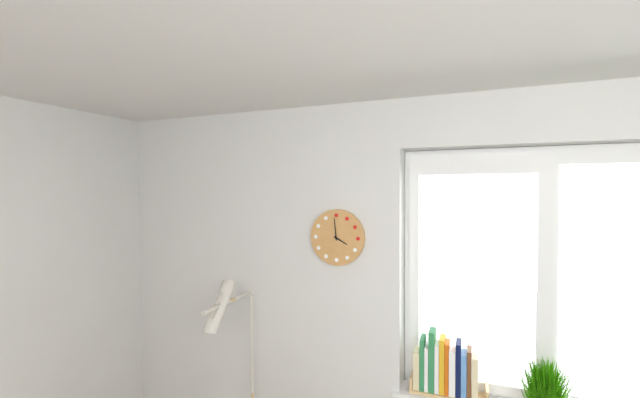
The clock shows {"hour": 3, "minute": 59}
